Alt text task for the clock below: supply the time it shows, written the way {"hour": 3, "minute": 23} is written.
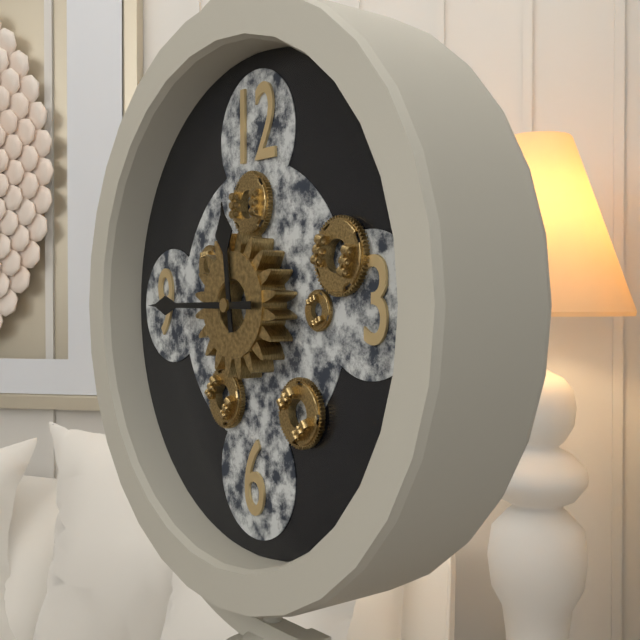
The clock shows {"hour": 11, "minute": 45}
